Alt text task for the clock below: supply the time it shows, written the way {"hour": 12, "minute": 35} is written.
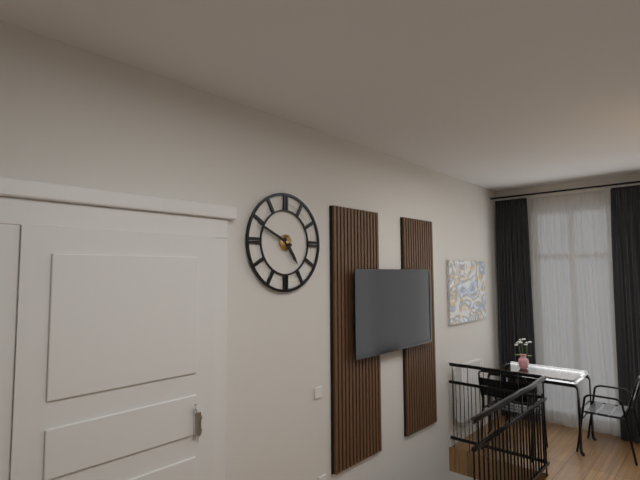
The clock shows {"hour": 4, "minute": 49}
